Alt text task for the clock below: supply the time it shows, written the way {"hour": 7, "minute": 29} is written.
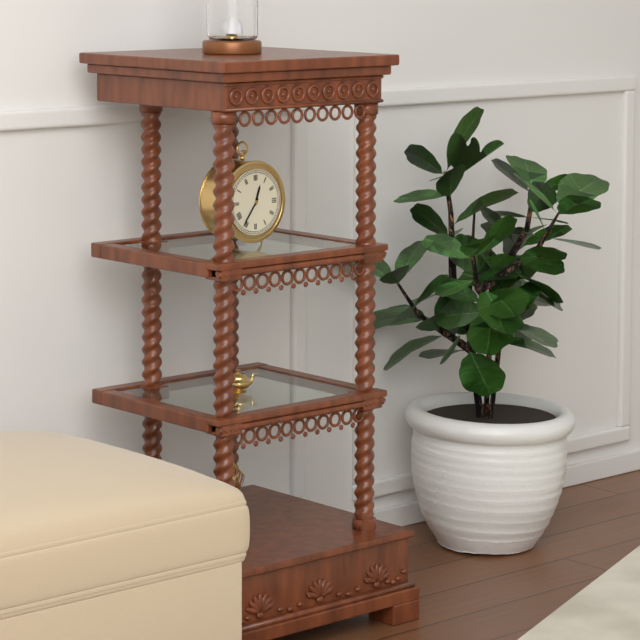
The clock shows {"hour": 12, "minute": 36}
